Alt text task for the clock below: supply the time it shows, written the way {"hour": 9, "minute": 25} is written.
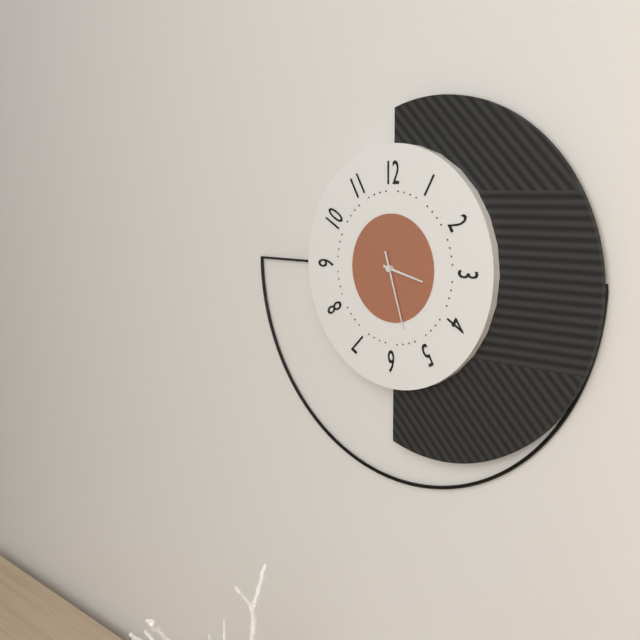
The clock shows {"hour": 3, "minute": 27}
